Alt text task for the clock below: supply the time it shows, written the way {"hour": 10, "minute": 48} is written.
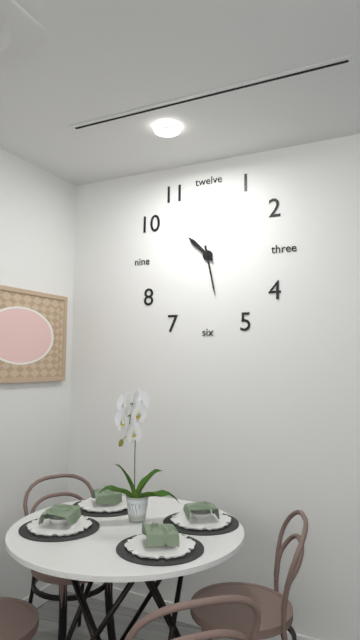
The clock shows {"hour": 10, "minute": 28}
